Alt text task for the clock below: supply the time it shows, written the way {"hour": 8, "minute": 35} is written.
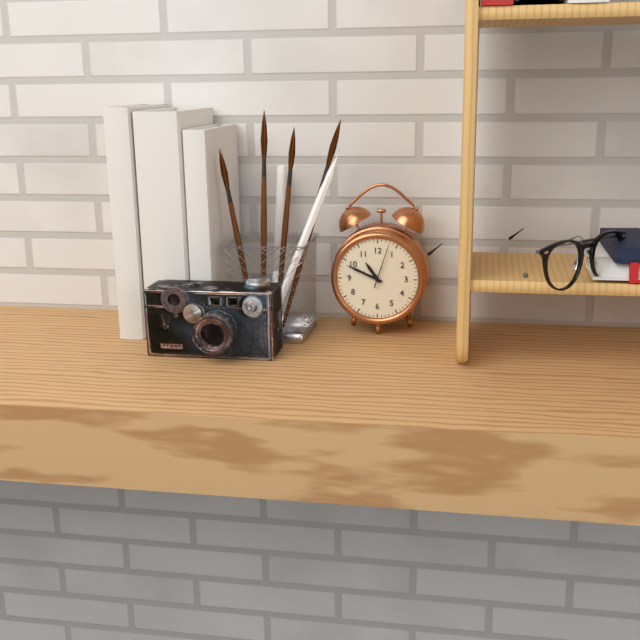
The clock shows {"hour": 10, "minute": 49}
